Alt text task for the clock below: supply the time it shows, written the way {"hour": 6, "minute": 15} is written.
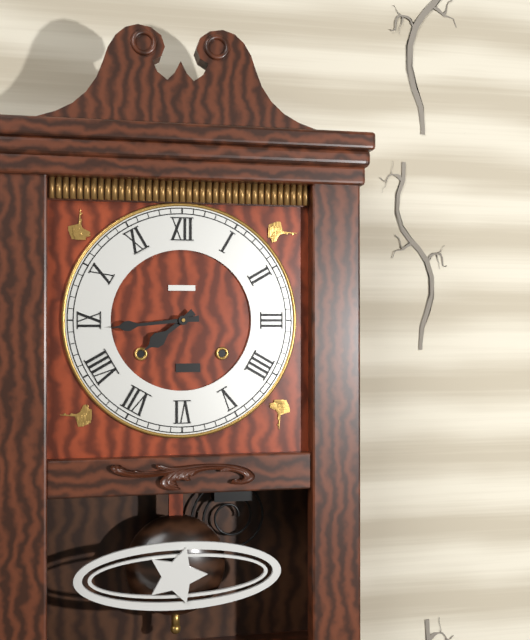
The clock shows {"hour": 7, "minute": 44}
